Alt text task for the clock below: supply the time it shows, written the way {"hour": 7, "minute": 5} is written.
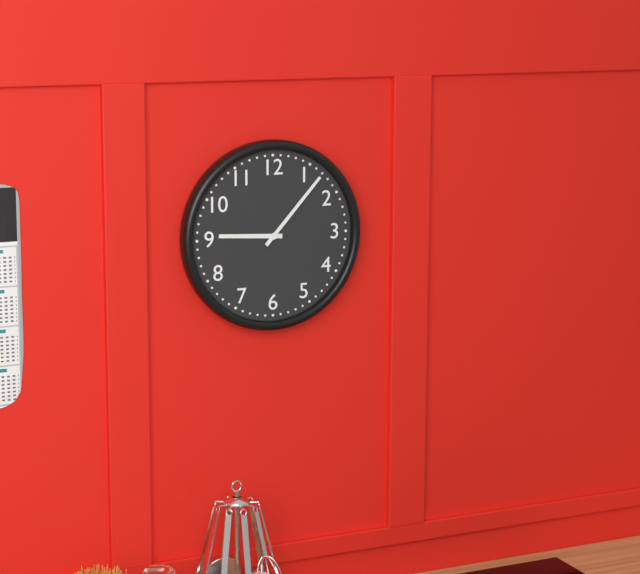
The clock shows {"hour": 9, "minute": 7}
